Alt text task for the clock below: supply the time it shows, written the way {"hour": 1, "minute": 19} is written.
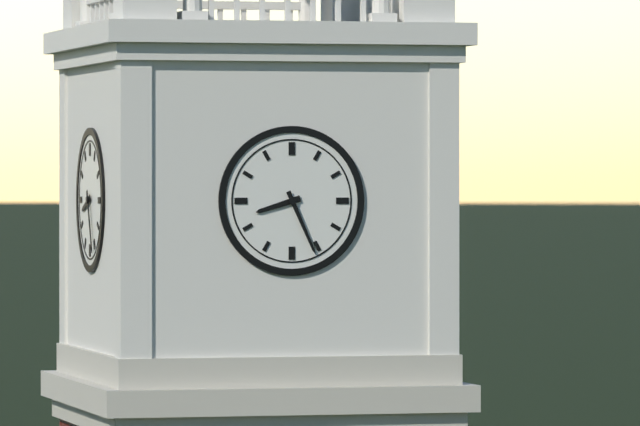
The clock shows {"hour": 8, "minute": 26}
